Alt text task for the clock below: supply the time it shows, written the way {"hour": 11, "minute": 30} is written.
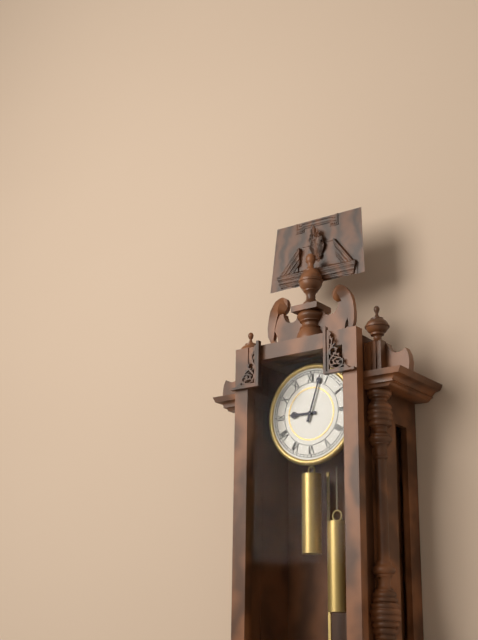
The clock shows {"hour": 9, "minute": 3}
